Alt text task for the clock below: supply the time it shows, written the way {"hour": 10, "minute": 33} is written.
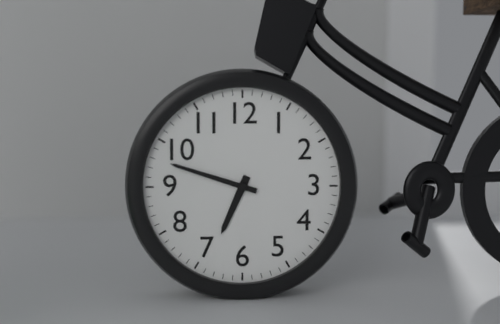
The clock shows {"hour": 6, "minute": 48}
